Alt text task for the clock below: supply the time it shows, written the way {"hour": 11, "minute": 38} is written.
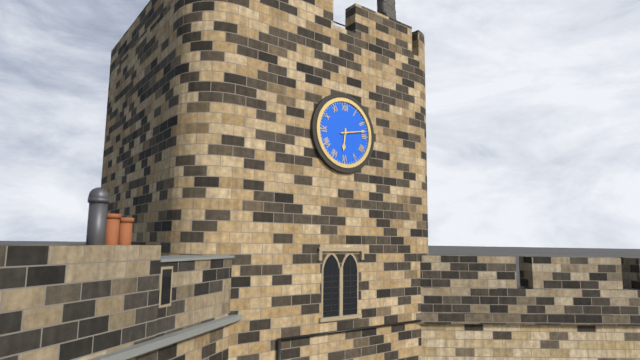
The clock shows {"hour": 6, "minute": 13}
